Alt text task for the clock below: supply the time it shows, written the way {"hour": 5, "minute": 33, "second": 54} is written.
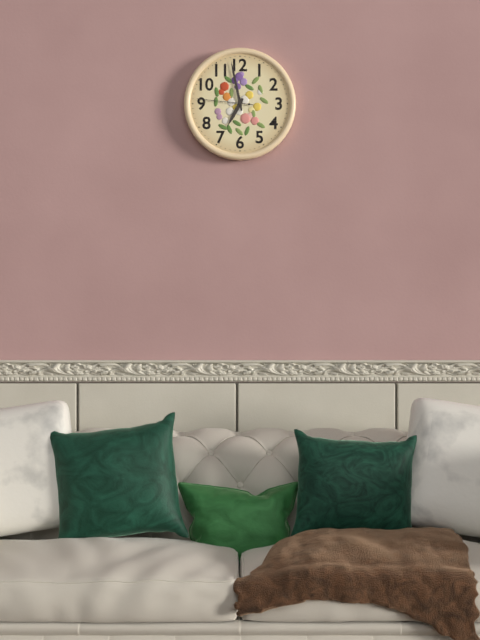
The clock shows {"hour": 6, "minute": 58, "second": 46}
